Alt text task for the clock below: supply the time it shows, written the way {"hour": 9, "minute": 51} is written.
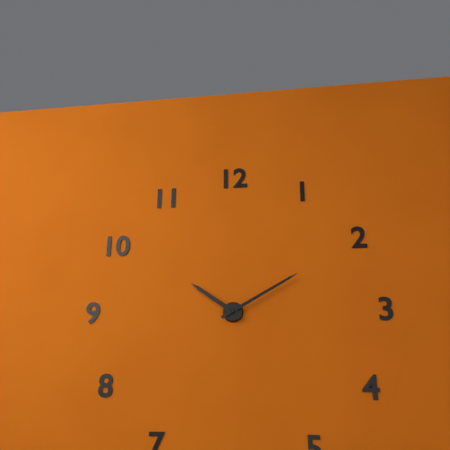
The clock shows {"hour": 10, "minute": 10}
